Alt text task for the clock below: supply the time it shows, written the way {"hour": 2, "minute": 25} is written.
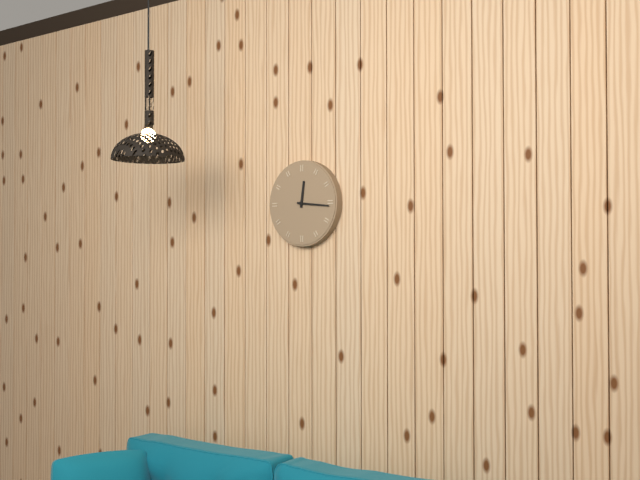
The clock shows {"hour": 12, "minute": 16}
